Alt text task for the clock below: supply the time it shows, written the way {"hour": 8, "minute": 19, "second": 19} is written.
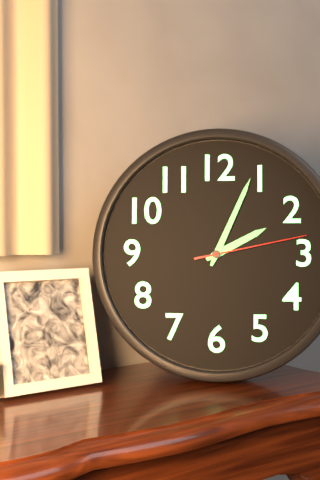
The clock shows {"hour": 2, "minute": 4, "second": 13}
